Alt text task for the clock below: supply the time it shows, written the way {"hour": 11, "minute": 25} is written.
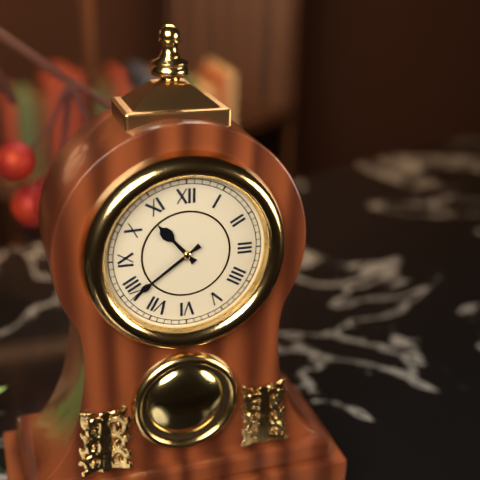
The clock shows {"hour": 10, "minute": 39}
